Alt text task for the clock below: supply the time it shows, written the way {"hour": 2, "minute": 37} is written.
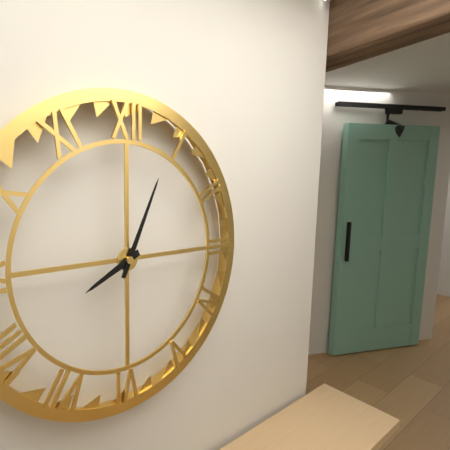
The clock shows {"hour": 8, "minute": 4}
